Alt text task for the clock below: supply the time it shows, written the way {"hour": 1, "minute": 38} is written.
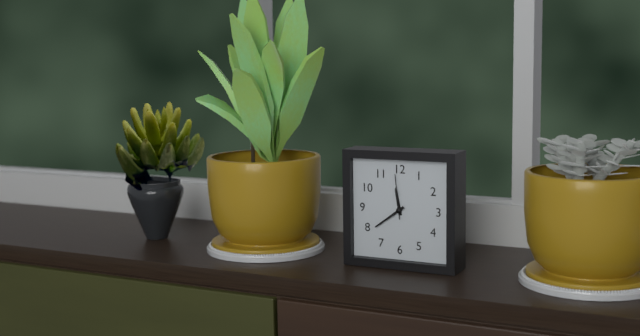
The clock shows {"hour": 11, "minute": 39}
